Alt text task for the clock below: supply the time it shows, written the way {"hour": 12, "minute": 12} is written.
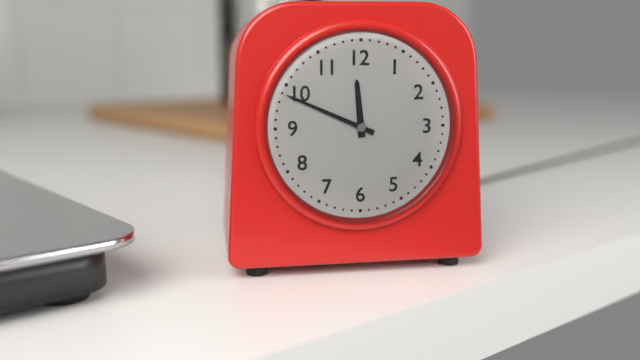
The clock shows {"hour": 11, "minute": 49}
